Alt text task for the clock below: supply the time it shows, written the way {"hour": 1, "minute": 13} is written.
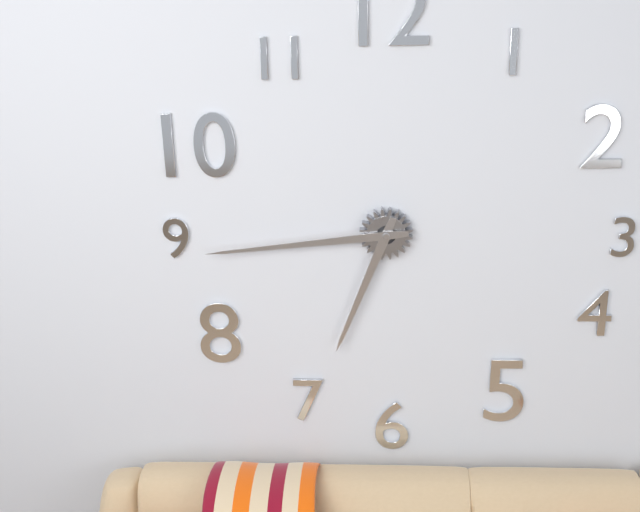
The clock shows {"hour": 6, "minute": 44}
